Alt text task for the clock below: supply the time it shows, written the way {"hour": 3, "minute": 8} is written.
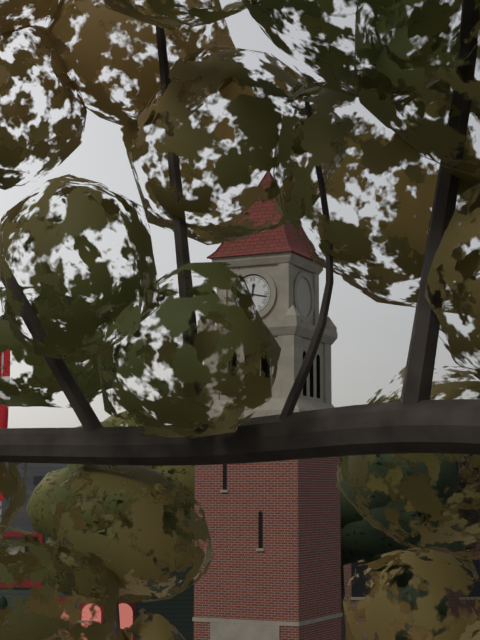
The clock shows {"hour": 12, "minute": 17}
